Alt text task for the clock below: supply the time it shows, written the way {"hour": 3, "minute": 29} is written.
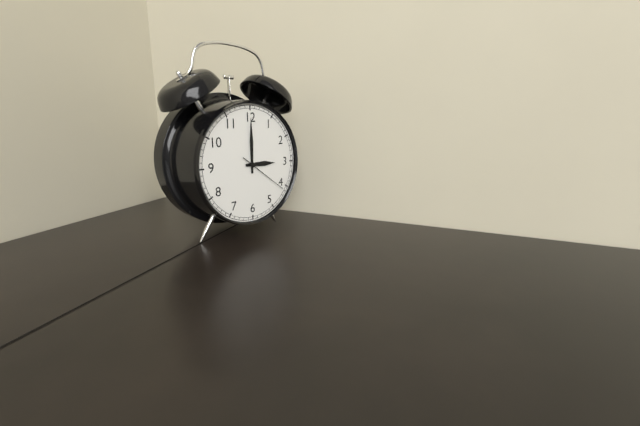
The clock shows {"hour": 3, "minute": 0}
